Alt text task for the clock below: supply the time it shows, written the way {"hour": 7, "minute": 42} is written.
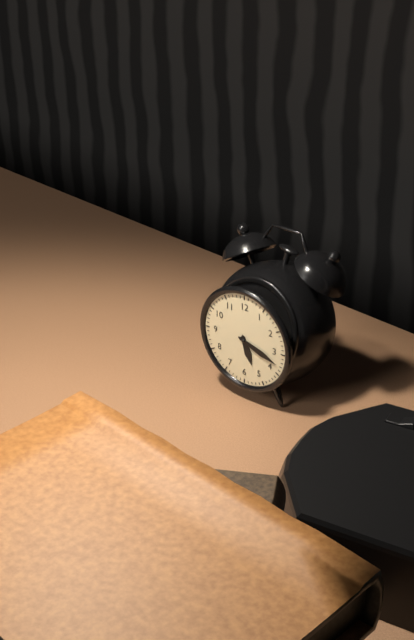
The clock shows {"hour": 5, "minute": 18}
